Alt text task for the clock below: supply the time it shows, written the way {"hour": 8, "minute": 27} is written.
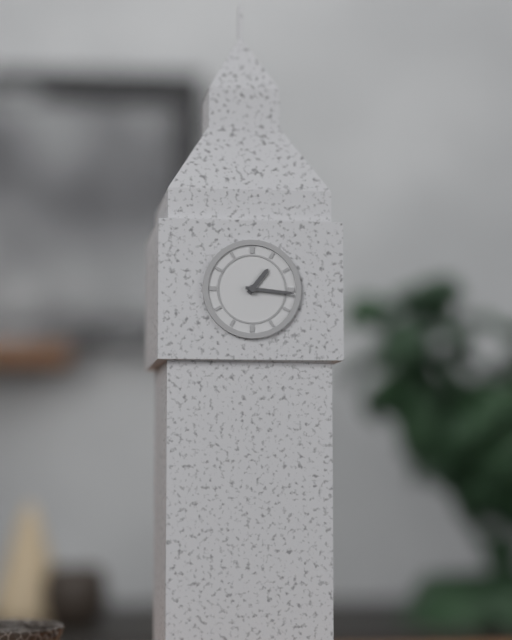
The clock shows {"hour": 1, "minute": 16}
